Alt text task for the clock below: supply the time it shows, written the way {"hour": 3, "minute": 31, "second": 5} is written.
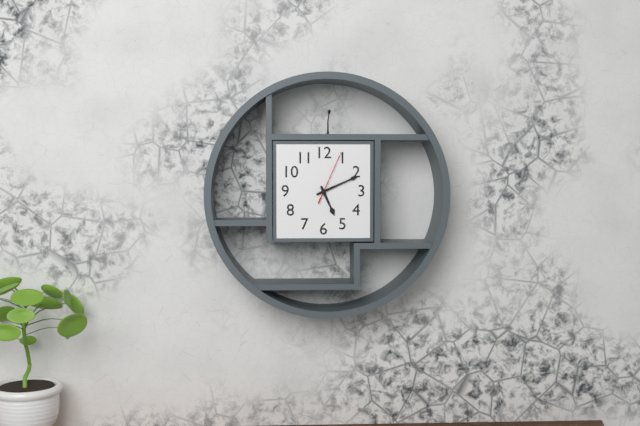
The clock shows {"hour": 5, "minute": 11, "second": 4}
